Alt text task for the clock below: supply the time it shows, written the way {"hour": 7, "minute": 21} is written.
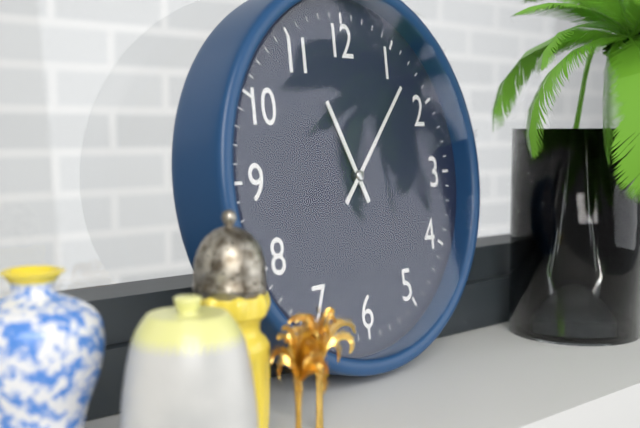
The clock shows {"hour": 11, "minute": 7}
